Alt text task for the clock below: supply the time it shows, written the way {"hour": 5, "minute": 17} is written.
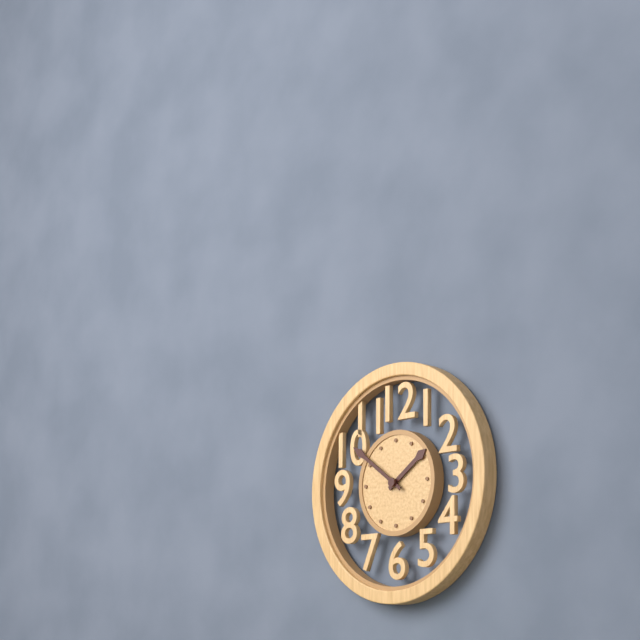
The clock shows {"hour": 1, "minute": 51}
